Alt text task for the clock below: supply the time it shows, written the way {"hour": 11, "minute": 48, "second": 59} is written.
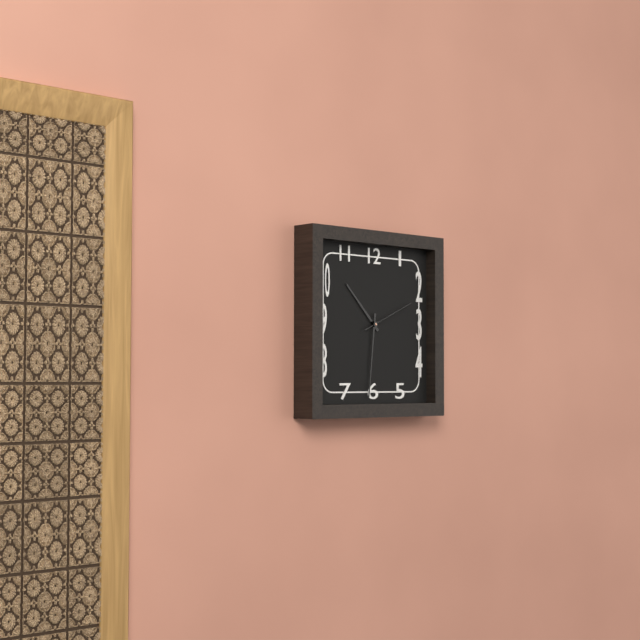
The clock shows {"hour": 10, "minute": 31, "second": 11}
